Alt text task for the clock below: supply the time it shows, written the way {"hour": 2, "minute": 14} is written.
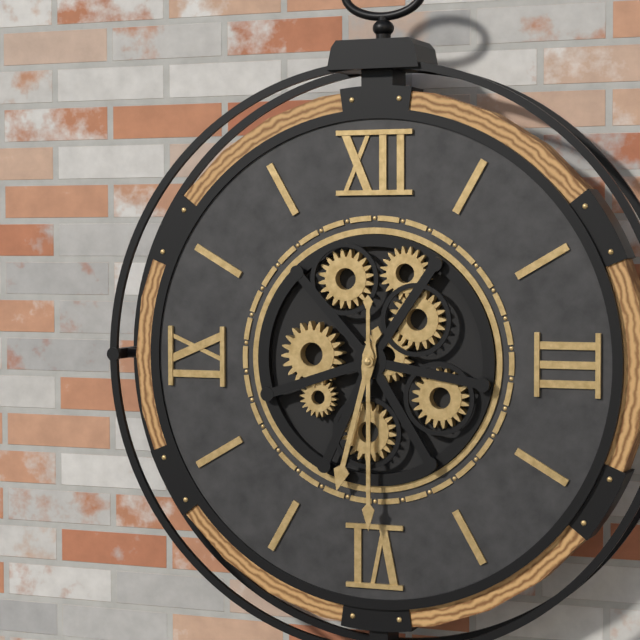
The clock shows {"hour": 6, "minute": 30}
